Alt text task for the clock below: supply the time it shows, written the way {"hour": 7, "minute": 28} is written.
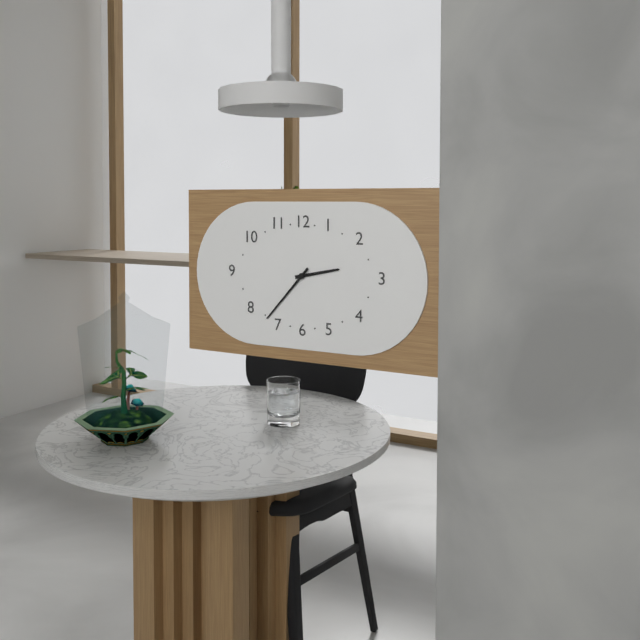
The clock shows {"hour": 2, "minute": 37}
